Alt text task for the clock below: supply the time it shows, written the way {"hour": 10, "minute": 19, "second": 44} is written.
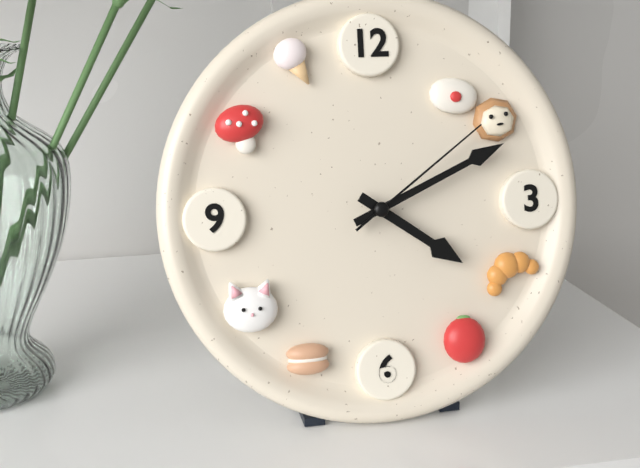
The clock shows {"hour": 4, "minute": 11, "second": 9}
